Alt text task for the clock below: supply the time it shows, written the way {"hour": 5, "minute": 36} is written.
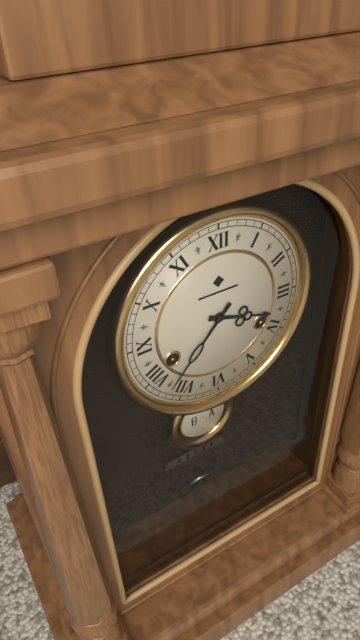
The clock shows {"hour": 3, "minute": 37}
